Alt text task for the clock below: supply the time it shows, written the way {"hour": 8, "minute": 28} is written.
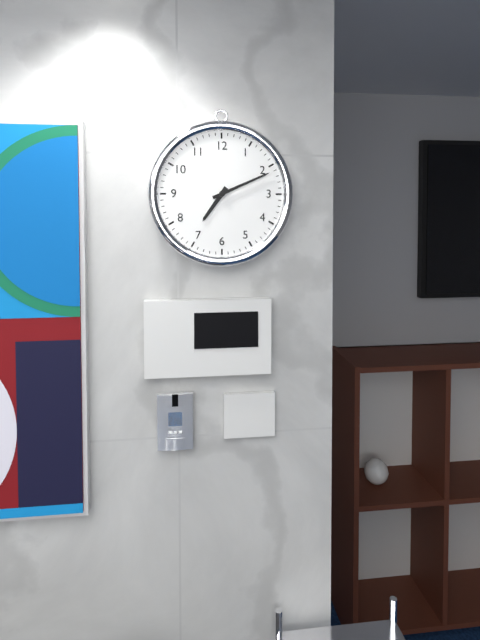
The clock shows {"hour": 7, "minute": 11}
